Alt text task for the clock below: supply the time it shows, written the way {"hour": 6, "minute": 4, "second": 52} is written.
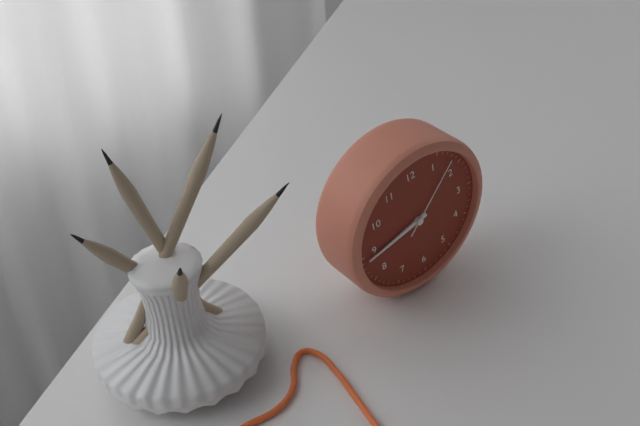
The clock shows {"hour": 8, "minute": 44, "second": 8}
